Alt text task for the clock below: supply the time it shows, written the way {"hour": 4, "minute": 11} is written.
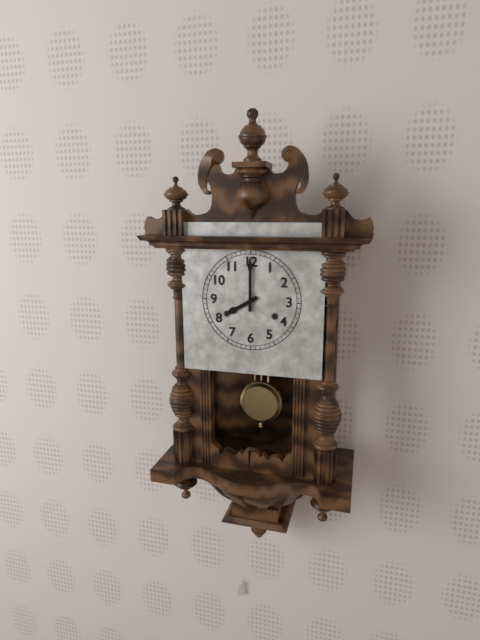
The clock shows {"hour": 8, "minute": 0}
